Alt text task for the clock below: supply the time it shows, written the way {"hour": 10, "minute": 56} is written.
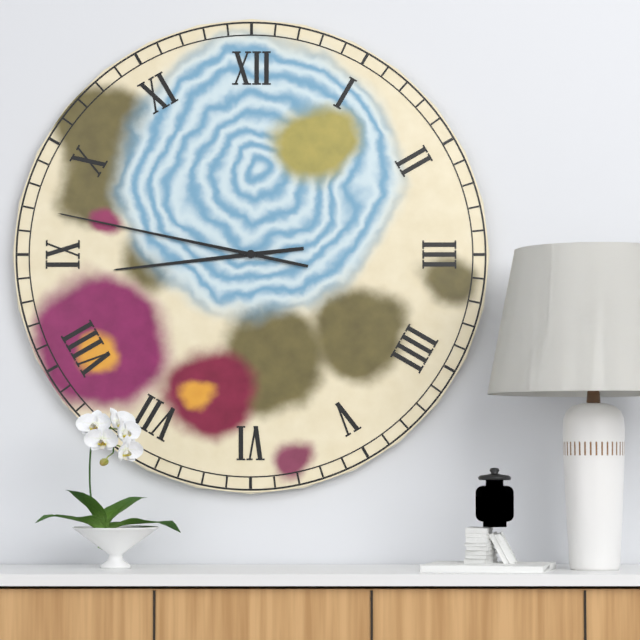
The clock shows {"hour": 8, "minute": 47}
